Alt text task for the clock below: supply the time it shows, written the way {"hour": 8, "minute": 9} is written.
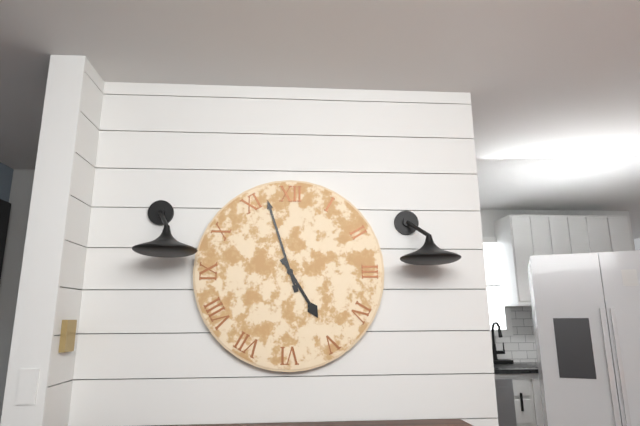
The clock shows {"hour": 4, "minute": 57}
